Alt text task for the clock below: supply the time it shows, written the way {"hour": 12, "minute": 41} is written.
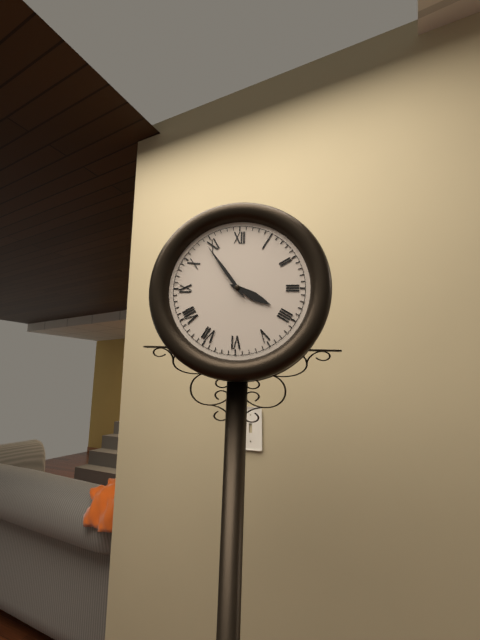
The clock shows {"hour": 3, "minute": 54}
